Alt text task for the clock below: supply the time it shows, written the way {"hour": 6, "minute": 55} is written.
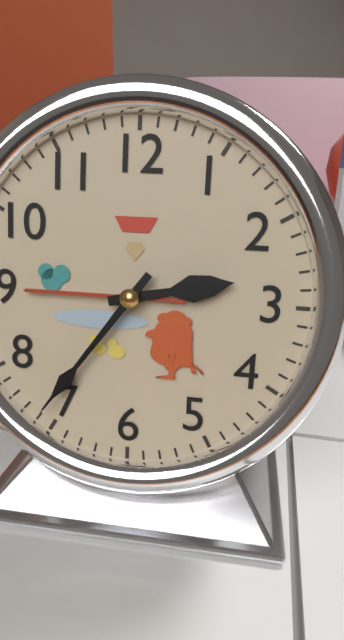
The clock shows {"hour": 2, "minute": 36}
